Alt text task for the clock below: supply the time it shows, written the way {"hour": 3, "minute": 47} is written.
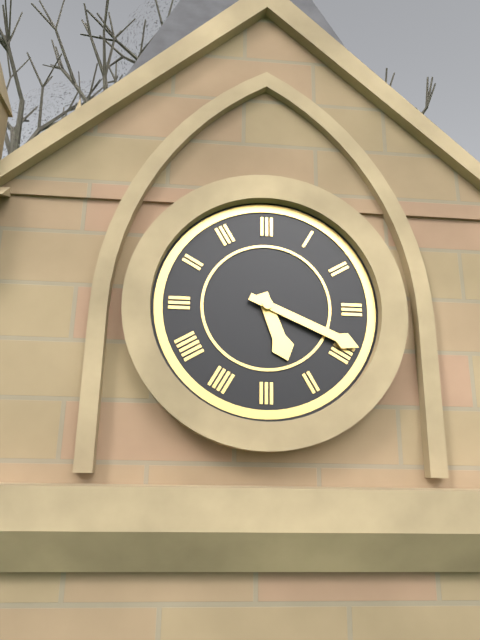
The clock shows {"hour": 5, "minute": 19}
